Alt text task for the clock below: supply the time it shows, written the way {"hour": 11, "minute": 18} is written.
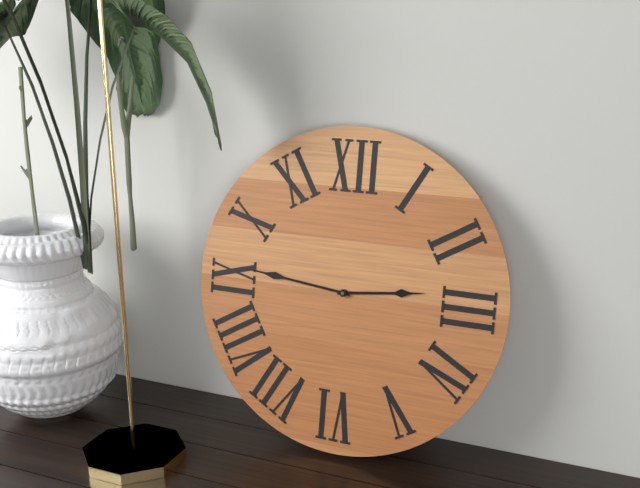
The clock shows {"hour": 2, "minute": 46}
